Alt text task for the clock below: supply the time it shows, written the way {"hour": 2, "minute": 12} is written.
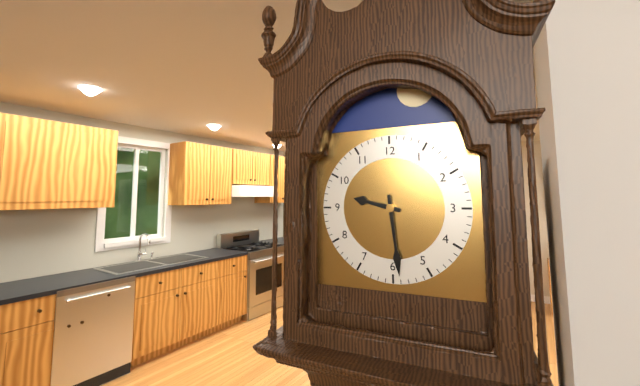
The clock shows {"hour": 9, "minute": 29}
